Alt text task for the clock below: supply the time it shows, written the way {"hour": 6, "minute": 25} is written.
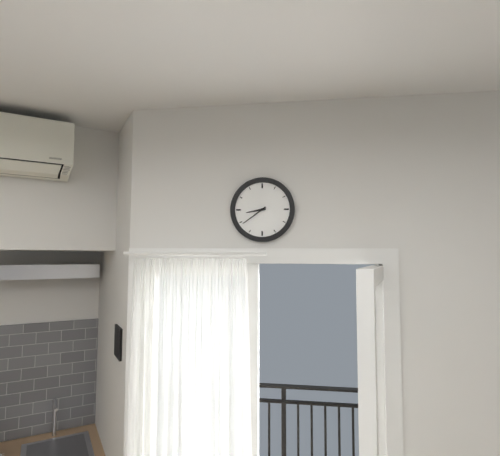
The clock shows {"hour": 8, "minute": 39}
